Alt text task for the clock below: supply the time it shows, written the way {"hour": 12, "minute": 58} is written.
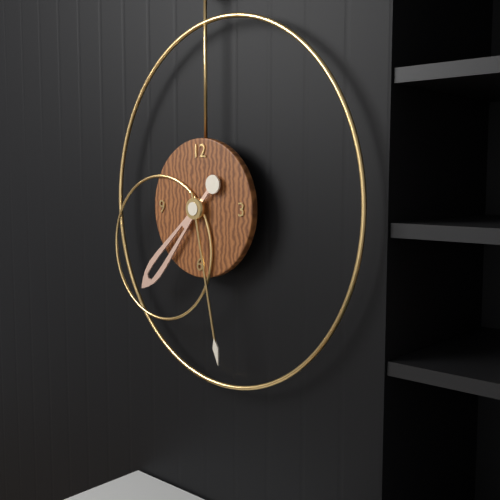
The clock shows {"hour": 7, "minute": 28}
